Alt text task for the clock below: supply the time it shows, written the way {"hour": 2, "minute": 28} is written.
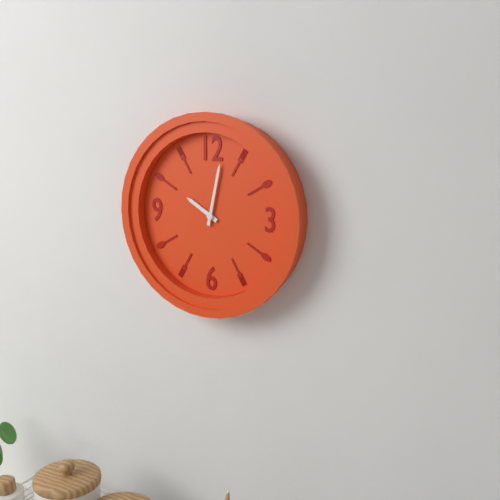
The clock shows {"hour": 10, "minute": 2}
